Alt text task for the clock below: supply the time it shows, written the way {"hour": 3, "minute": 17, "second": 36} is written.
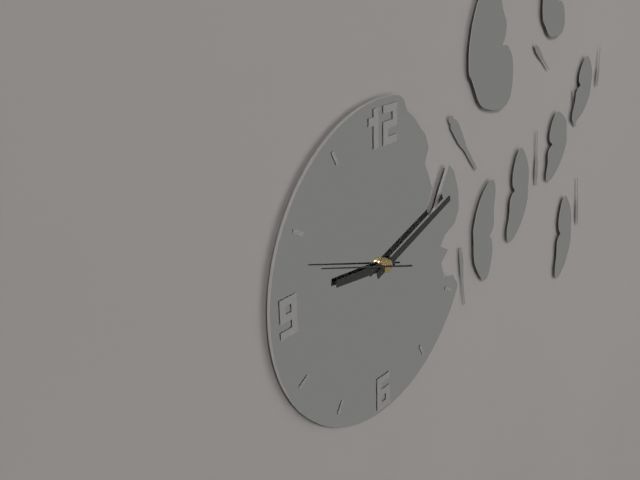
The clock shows {"hour": 9, "minute": 12, "second": 48}
